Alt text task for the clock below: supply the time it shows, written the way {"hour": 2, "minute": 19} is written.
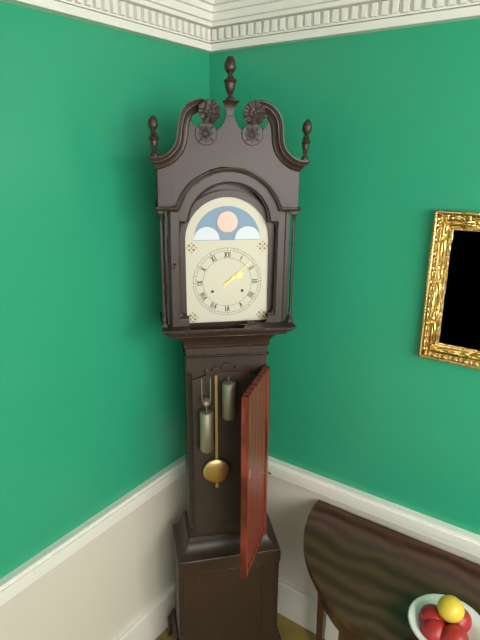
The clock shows {"hour": 2, "minute": 8}
